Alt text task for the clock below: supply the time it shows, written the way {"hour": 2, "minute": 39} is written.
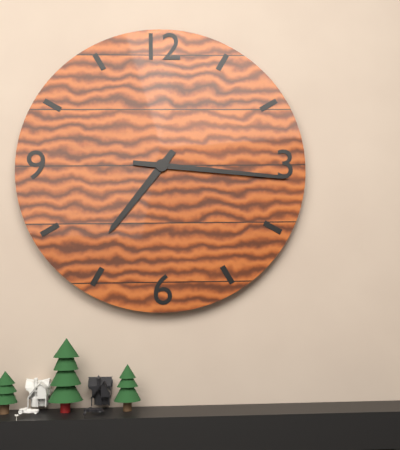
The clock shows {"hour": 7, "minute": 16}
